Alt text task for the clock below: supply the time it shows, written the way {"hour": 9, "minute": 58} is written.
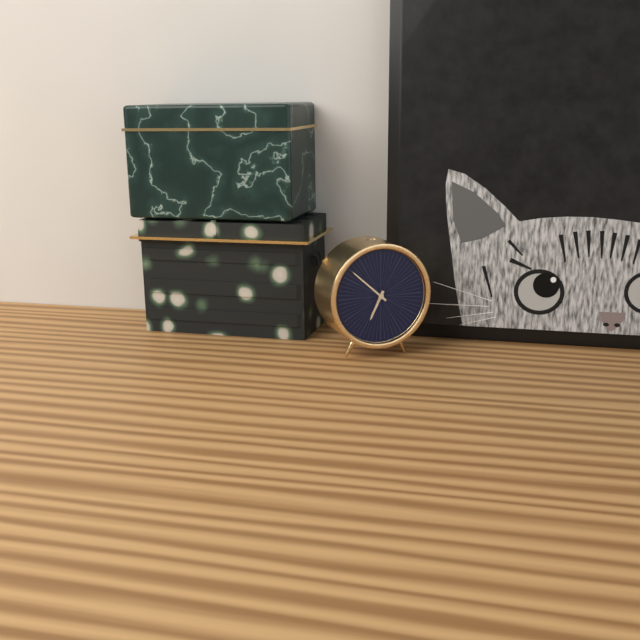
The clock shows {"hour": 6, "minute": 52}
